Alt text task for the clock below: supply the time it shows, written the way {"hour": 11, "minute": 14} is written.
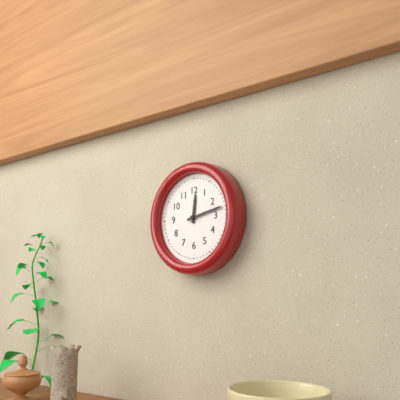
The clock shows {"hour": 12, "minute": 13}
